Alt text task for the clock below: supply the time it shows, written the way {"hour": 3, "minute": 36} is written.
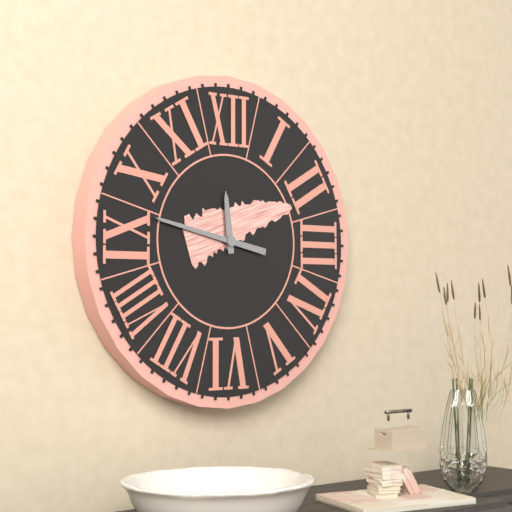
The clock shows {"hour": 11, "minute": 47}
